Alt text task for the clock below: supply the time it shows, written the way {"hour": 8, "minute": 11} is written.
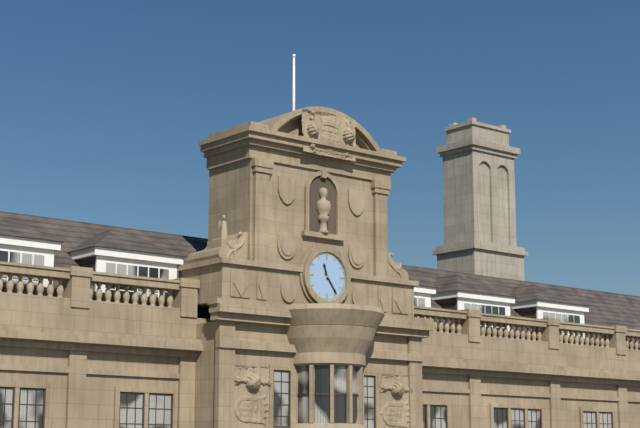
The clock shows {"hour": 11, "minute": 24}
